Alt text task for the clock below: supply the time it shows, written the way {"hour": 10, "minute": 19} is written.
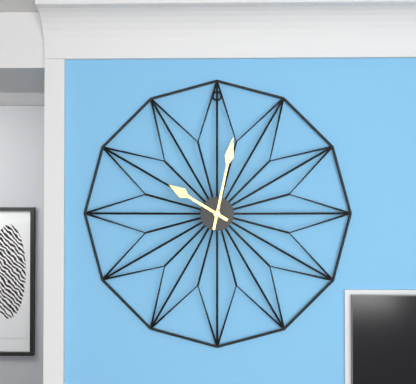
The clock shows {"hour": 10, "minute": 2}
